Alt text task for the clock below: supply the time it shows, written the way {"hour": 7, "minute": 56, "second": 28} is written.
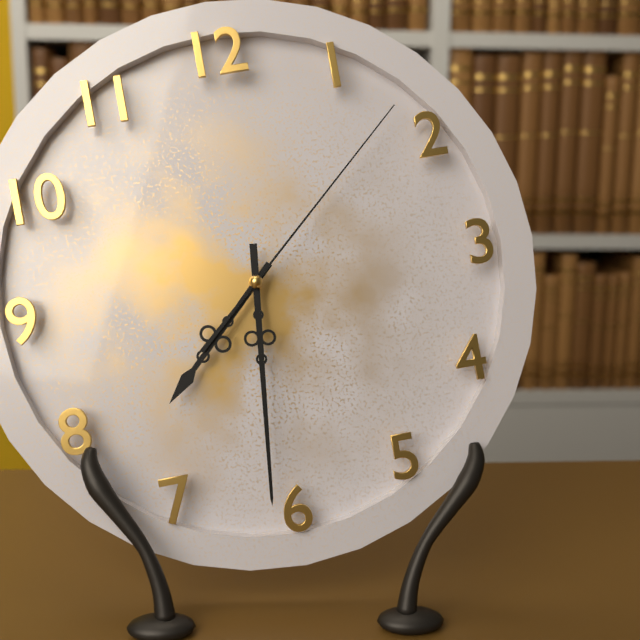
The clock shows {"hour": 7, "minute": 31, "second": 8}
